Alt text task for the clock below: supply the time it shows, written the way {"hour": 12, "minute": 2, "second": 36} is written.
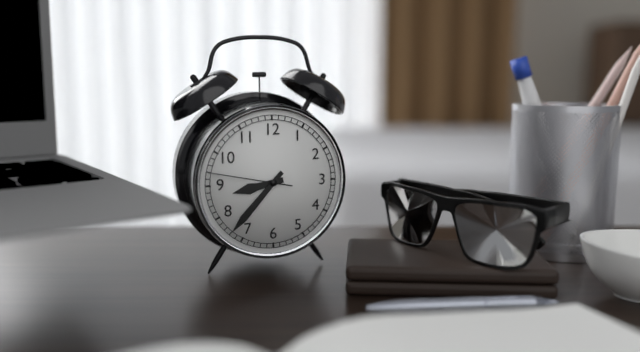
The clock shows {"hour": 8, "minute": 37, "second": 47}
